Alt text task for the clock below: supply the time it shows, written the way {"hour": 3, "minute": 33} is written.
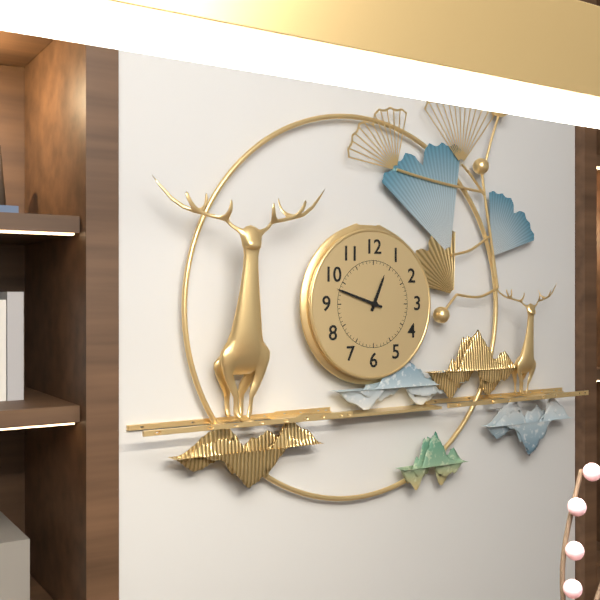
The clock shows {"hour": 12, "minute": 48}
